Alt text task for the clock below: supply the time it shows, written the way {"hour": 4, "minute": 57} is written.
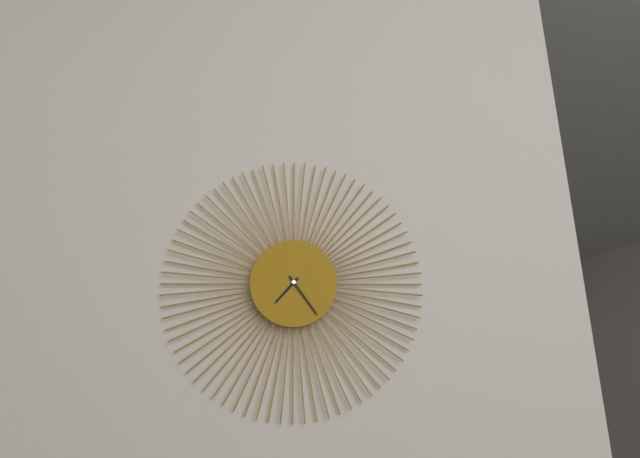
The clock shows {"hour": 7, "minute": 24}
